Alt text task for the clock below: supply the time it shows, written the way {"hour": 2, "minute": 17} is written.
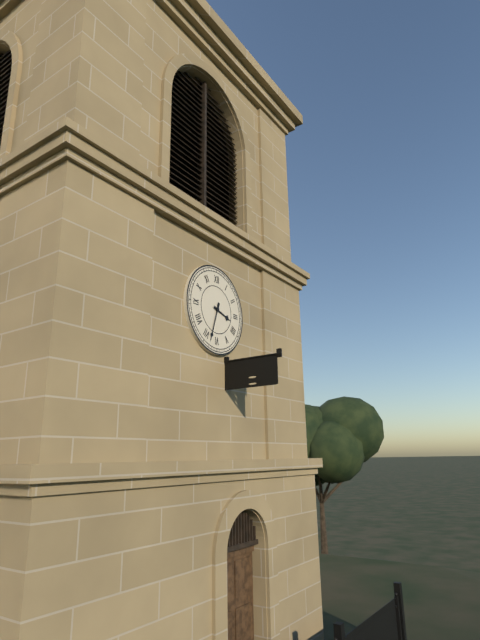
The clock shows {"hour": 3, "minute": 33}
